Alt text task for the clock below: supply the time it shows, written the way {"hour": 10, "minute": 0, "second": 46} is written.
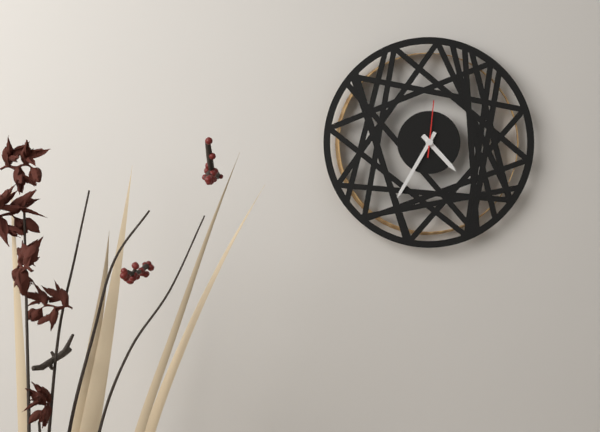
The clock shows {"hour": 4, "minute": 35, "second": 1}
